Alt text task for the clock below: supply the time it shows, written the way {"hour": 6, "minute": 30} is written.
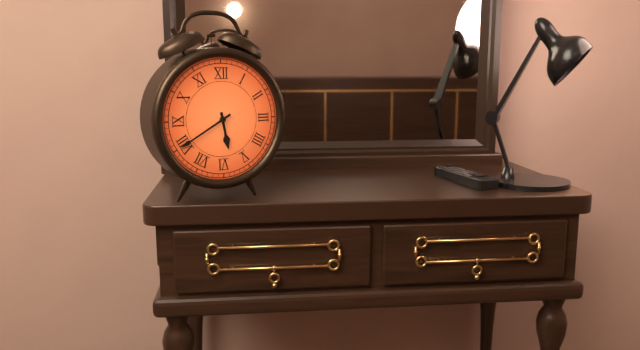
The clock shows {"hour": 5, "minute": 40}
